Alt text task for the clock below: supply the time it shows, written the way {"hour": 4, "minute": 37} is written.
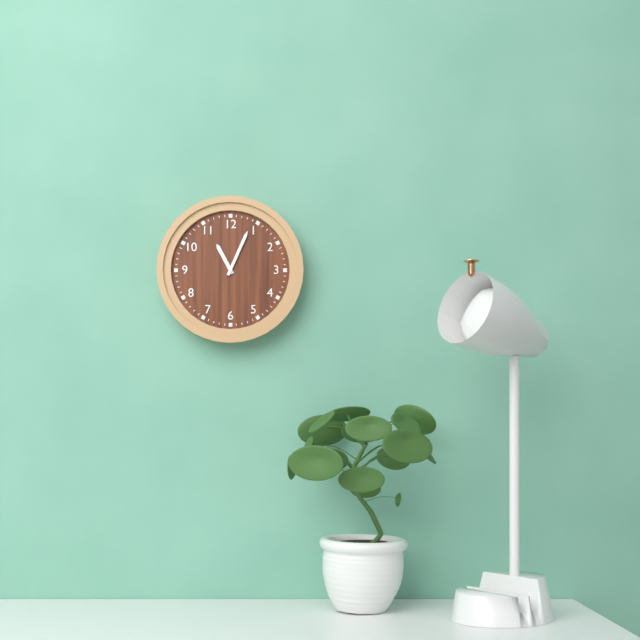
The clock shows {"hour": 11, "minute": 4}
